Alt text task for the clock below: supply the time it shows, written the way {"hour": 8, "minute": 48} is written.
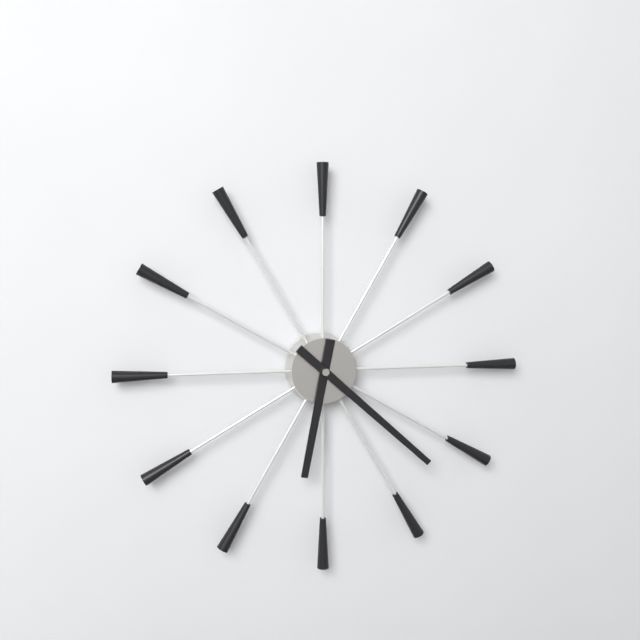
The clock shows {"hour": 6, "minute": 22}
